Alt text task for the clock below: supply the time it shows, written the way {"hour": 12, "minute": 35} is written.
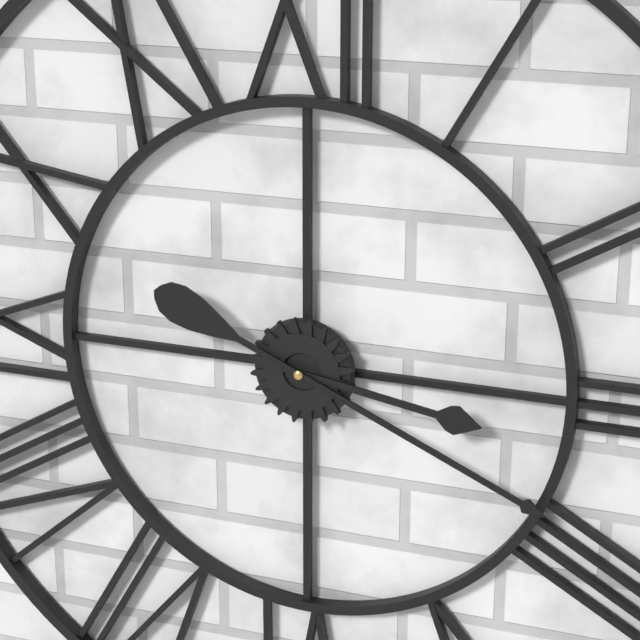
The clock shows {"hour": 3, "minute": 19}
